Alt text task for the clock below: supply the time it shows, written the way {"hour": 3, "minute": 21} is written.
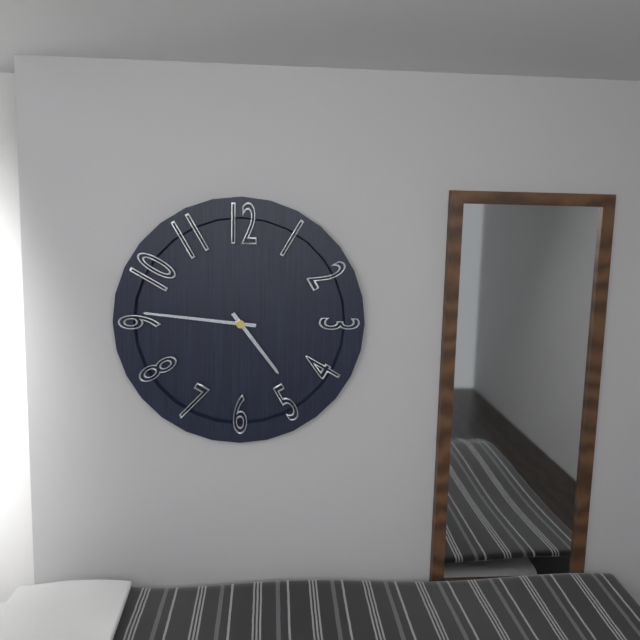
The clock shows {"hour": 4, "minute": 46}
